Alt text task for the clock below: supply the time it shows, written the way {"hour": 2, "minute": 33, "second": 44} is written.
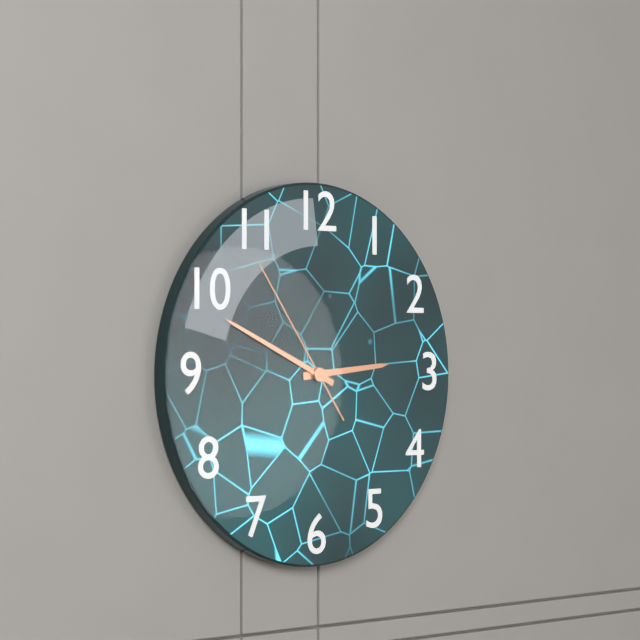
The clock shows {"hour": 2, "minute": 49, "second": 54}
